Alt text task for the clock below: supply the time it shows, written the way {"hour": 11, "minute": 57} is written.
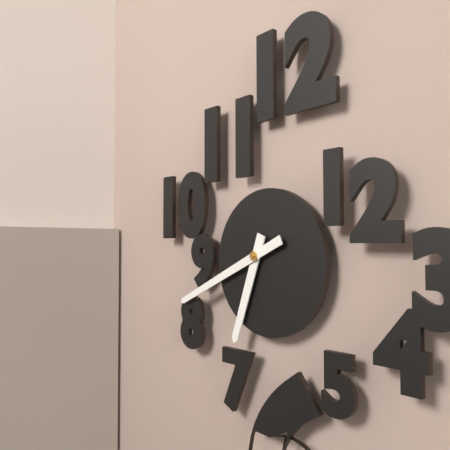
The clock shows {"hour": 6, "minute": 41}
